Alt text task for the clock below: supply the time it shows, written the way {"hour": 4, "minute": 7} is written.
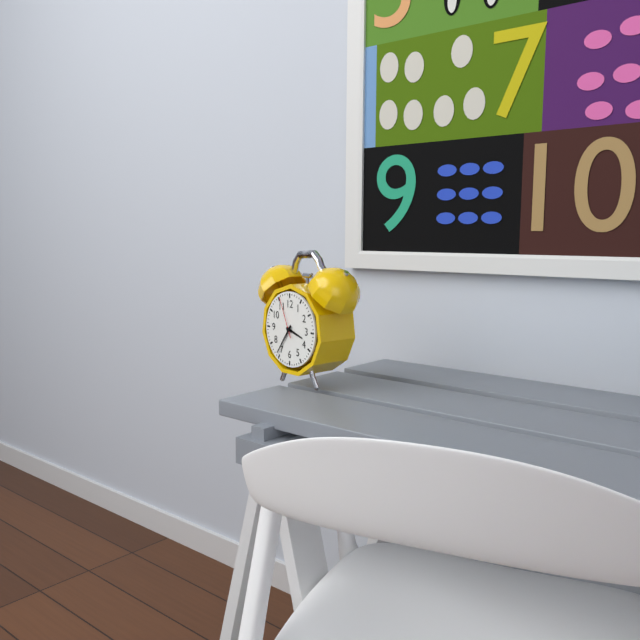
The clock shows {"hour": 3, "minute": 36}
